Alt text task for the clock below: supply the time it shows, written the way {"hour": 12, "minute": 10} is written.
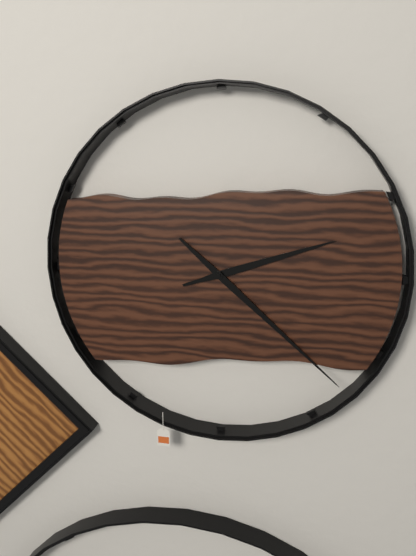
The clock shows {"hour": 2, "minute": 22}
